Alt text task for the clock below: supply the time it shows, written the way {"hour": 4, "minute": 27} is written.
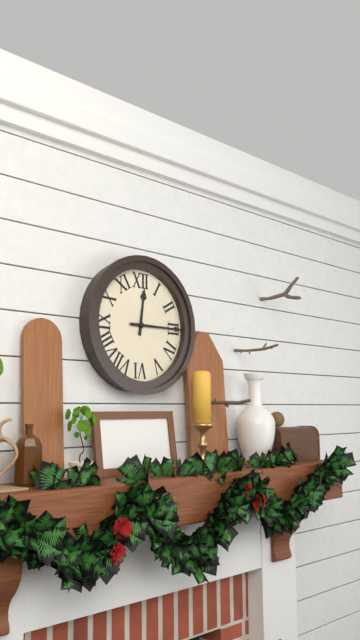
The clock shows {"hour": 12, "minute": 15}
